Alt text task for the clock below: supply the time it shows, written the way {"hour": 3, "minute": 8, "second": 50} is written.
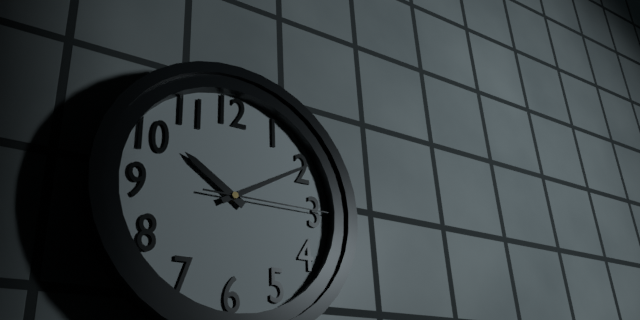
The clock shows {"hour": 10, "minute": 10, "second": 15}
